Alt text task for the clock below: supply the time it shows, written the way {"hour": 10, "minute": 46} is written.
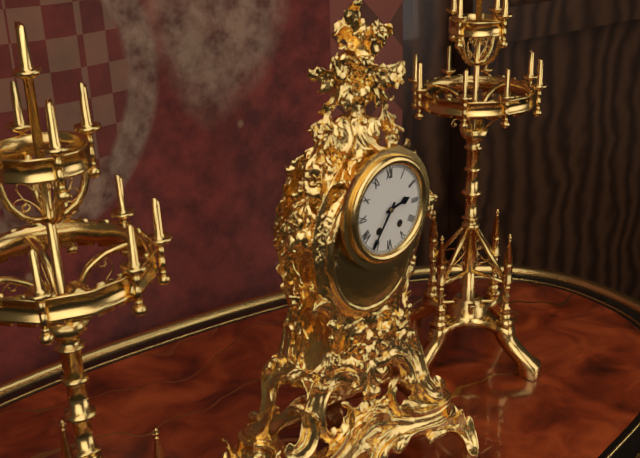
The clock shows {"hour": 2, "minute": 36}
